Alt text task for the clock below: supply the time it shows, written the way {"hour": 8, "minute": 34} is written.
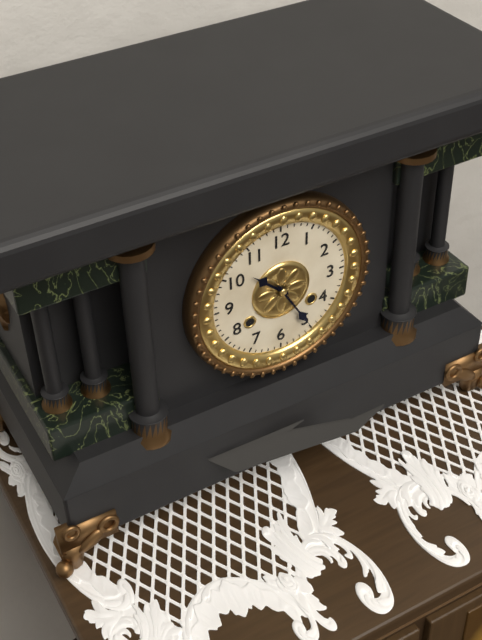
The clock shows {"hour": 10, "minute": 25}
